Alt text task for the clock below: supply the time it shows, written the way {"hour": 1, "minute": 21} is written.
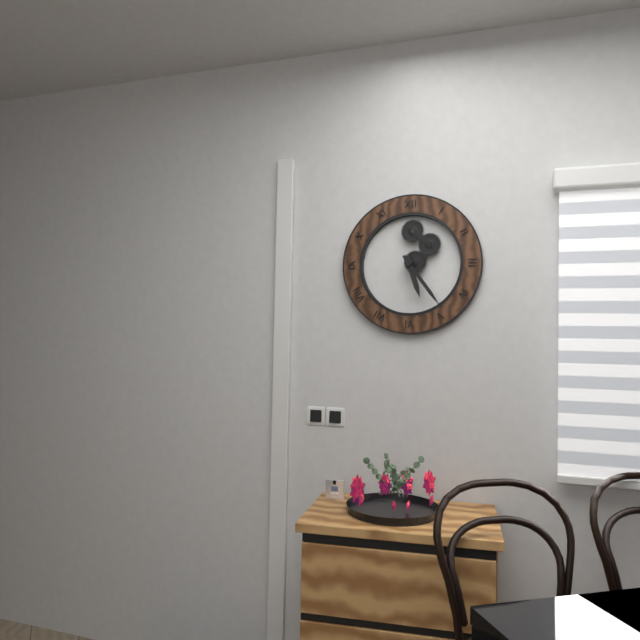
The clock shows {"hour": 5, "minute": 24}
